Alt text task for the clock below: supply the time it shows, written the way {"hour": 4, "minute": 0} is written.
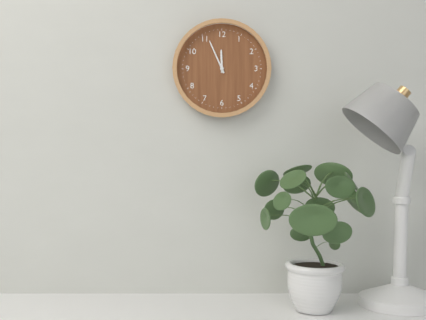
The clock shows {"hour": 11, "minute": 56}
